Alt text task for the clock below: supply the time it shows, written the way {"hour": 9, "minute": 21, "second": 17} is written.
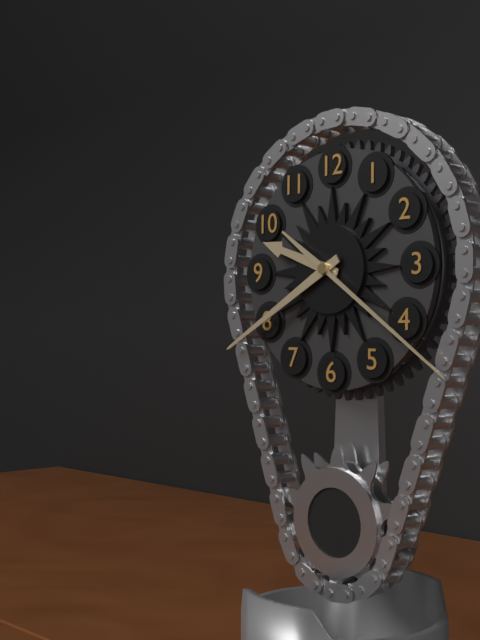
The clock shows {"hour": 9, "minute": 40, "second": 21}
